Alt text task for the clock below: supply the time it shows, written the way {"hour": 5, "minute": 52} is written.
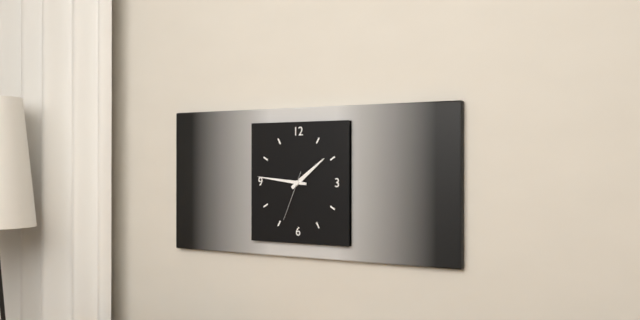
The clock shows {"hour": 1, "minute": 46}
